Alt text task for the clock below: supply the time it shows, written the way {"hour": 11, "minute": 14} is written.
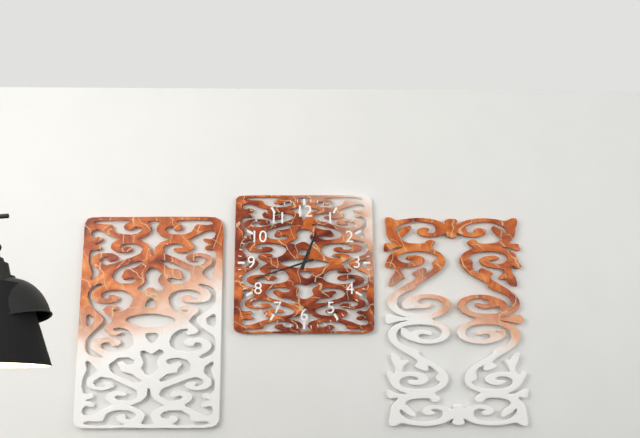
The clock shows {"hour": 12, "minute": 42}
